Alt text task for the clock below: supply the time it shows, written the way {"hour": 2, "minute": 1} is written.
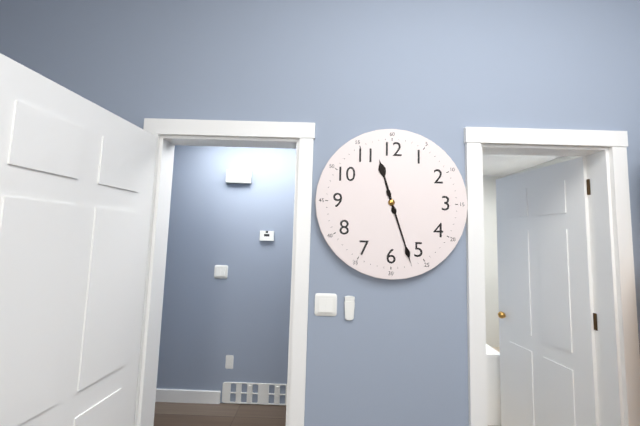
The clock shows {"hour": 11, "minute": 27}
